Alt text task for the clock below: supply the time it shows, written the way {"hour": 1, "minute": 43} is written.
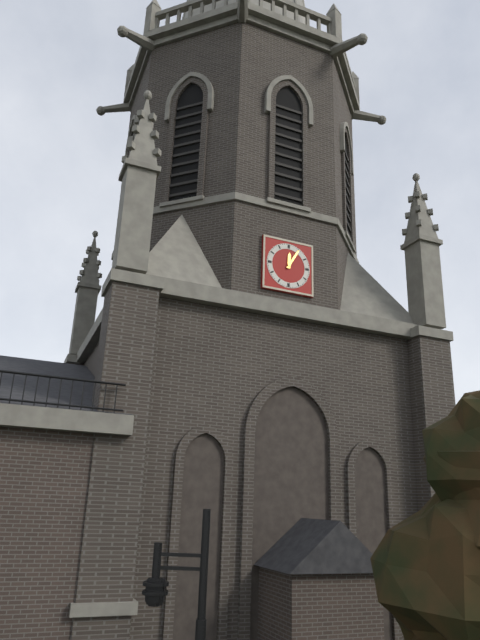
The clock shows {"hour": 12, "minute": 5}
